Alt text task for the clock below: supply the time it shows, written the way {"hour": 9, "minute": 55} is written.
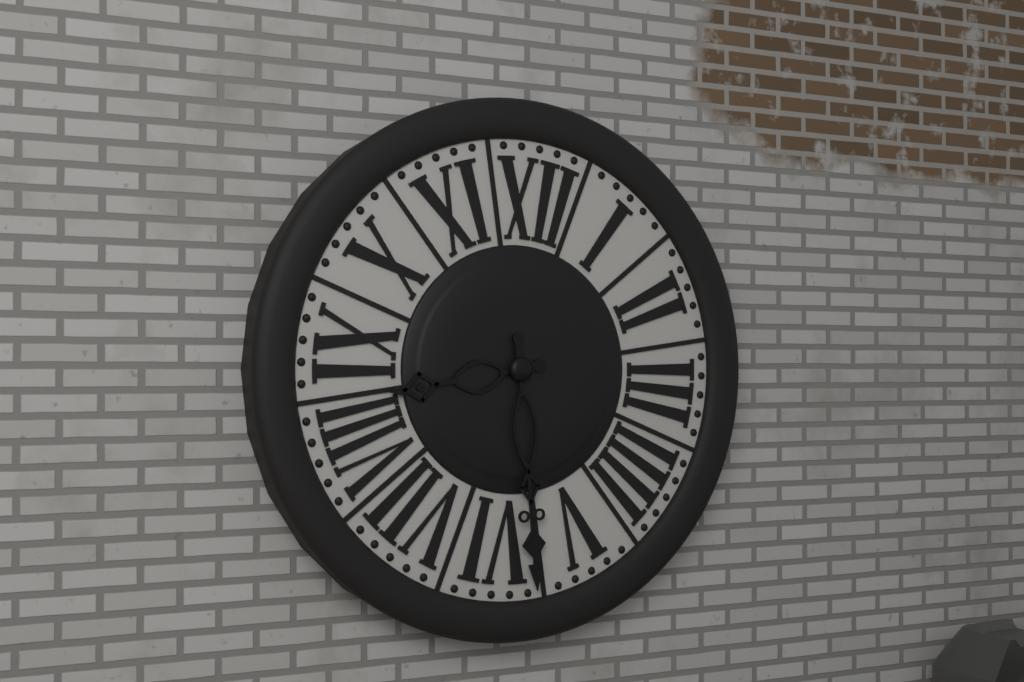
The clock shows {"hour": 8, "minute": 28}
